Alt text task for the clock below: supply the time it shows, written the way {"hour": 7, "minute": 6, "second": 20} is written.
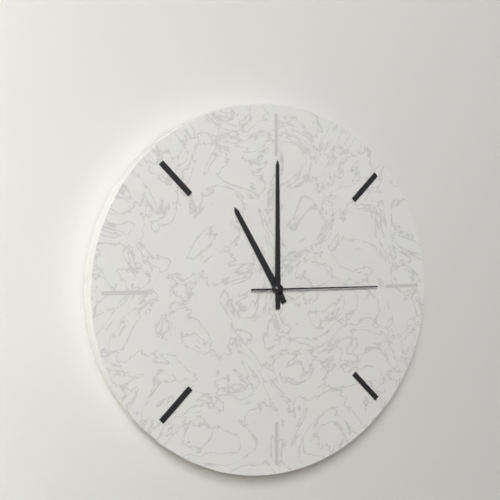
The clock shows {"hour": 11, "minute": 0, "second": 15}
